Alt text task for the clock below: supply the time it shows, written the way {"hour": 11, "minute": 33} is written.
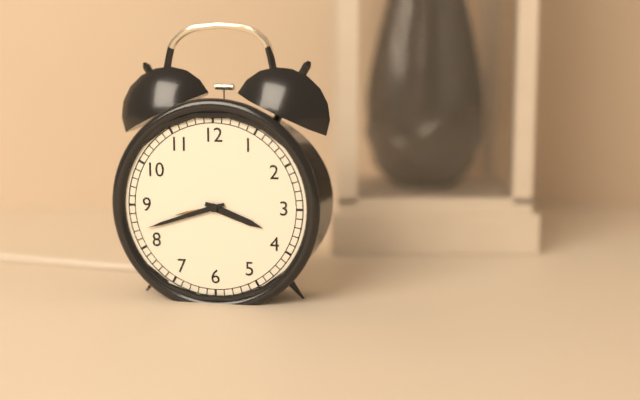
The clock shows {"hour": 3, "minute": 42}
